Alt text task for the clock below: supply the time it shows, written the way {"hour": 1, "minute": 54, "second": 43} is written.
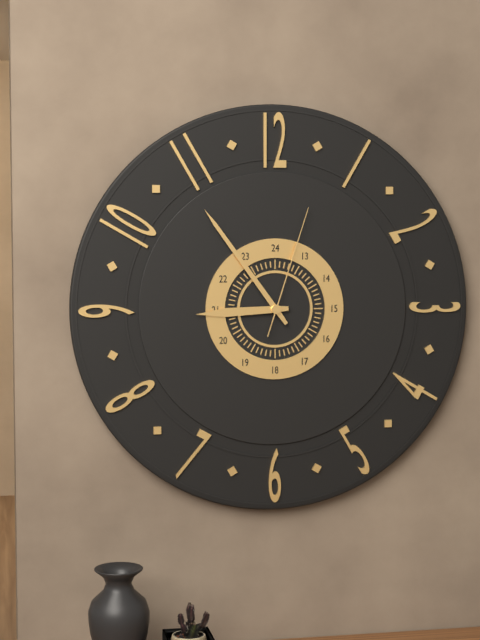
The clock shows {"hour": 8, "minute": 54, "second": 3}
